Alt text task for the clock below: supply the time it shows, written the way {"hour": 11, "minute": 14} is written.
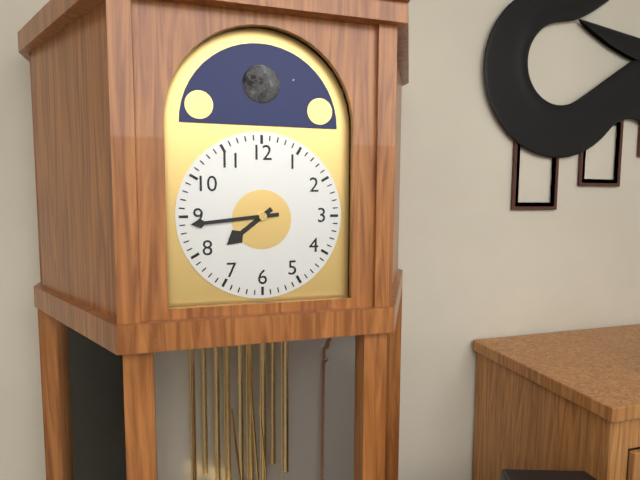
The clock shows {"hour": 7, "minute": 44}
